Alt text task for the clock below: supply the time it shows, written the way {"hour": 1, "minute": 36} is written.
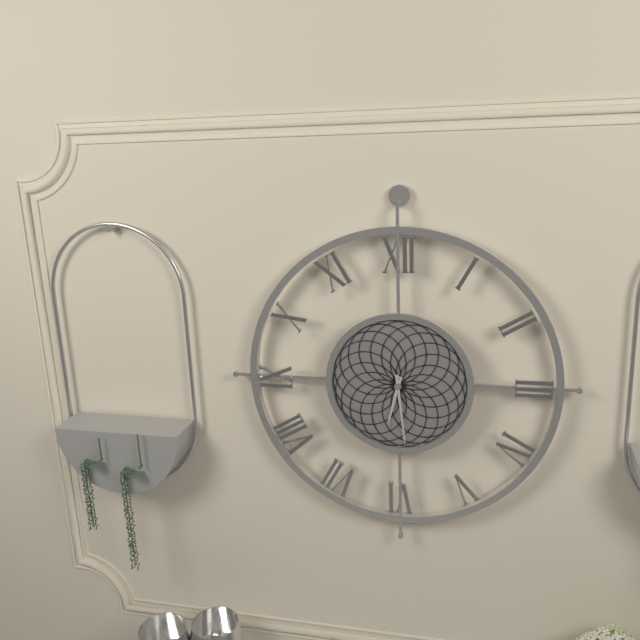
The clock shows {"hour": 6, "minute": 29}
